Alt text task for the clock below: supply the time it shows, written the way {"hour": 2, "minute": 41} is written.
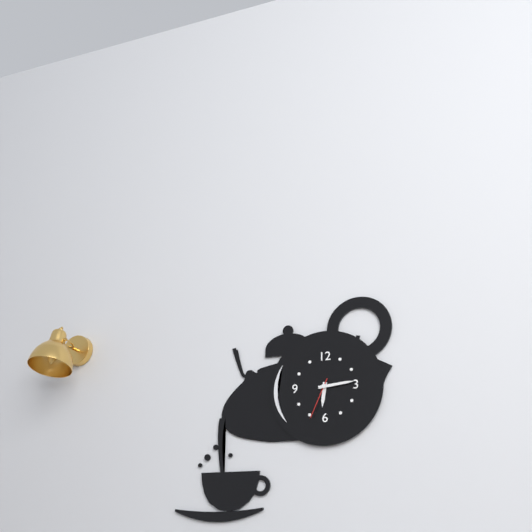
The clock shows {"hour": 6, "minute": 14}
